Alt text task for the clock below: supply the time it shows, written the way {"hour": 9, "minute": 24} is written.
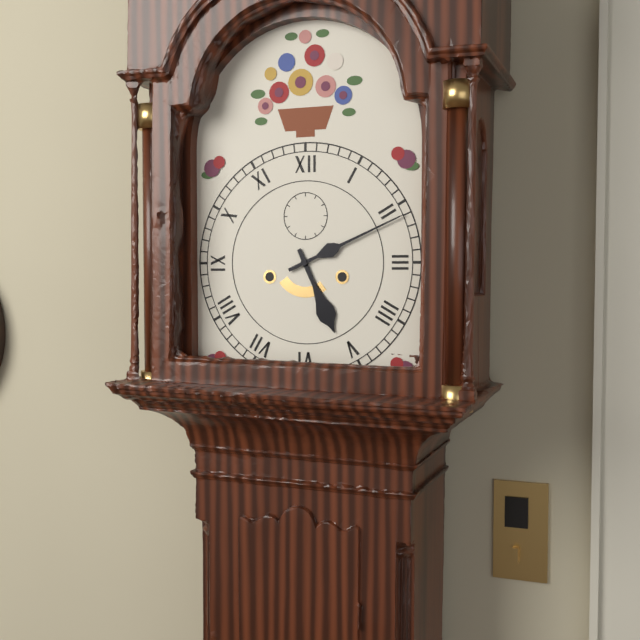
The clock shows {"hour": 5, "minute": 11}
